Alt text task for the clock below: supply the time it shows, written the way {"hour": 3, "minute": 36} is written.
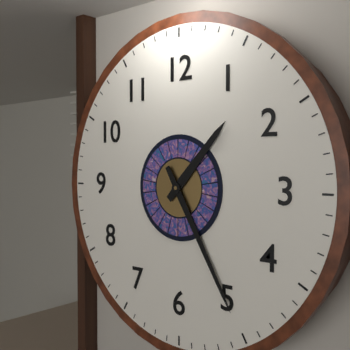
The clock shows {"hour": 1, "minute": 25}
